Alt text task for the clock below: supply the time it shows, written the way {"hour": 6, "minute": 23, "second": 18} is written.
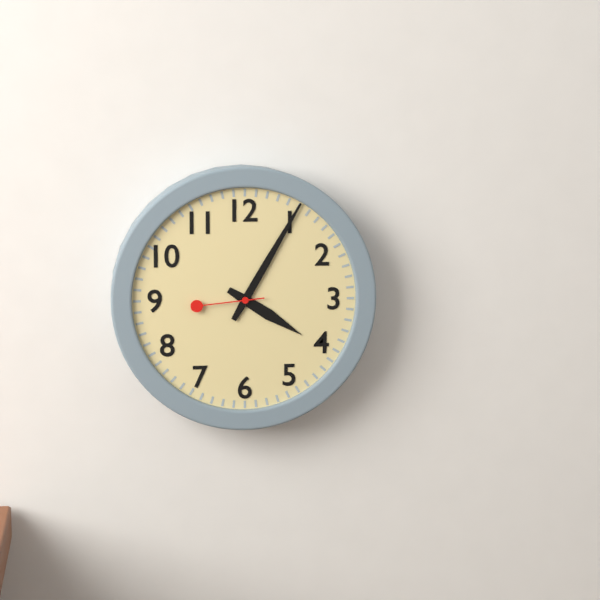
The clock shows {"hour": 4, "minute": 5, "second": 44}
